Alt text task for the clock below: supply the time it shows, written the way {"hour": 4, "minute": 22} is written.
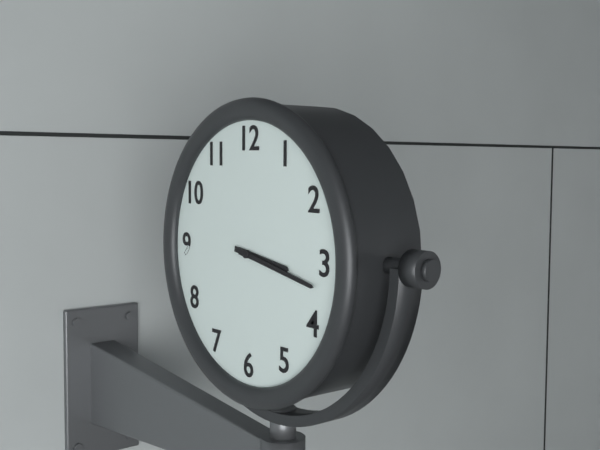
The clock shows {"hour": 3, "minute": 17}
